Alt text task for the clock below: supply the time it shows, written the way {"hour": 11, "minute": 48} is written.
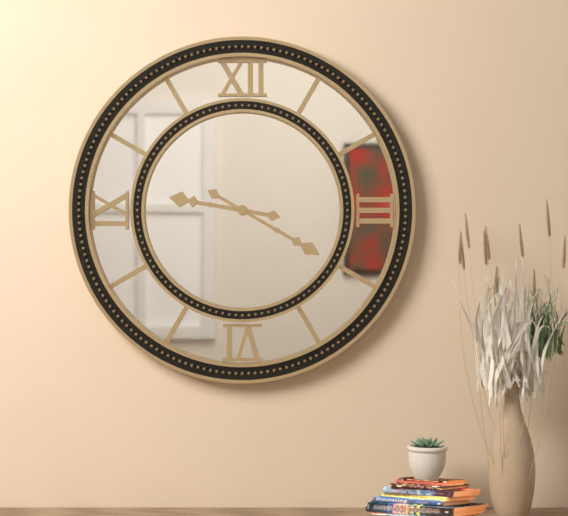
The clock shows {"hour": 9, "minute": 20}
